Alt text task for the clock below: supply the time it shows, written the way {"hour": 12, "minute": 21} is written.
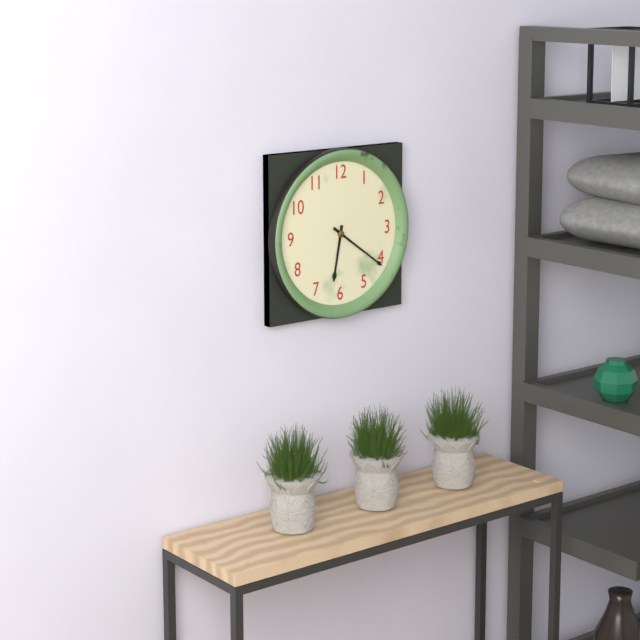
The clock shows {"hour": 6, "minute": 21}
